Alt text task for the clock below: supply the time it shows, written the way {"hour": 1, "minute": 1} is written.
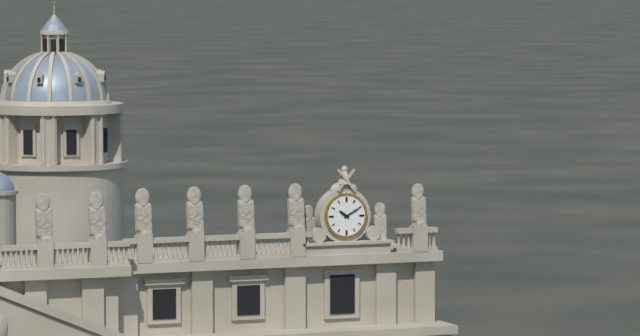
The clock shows {"hour": 10, "minute": 10}
